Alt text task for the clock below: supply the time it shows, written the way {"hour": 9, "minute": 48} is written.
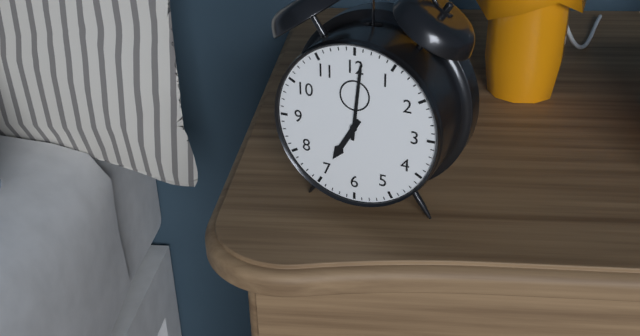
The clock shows {"hour": 7, "minute": 1}
